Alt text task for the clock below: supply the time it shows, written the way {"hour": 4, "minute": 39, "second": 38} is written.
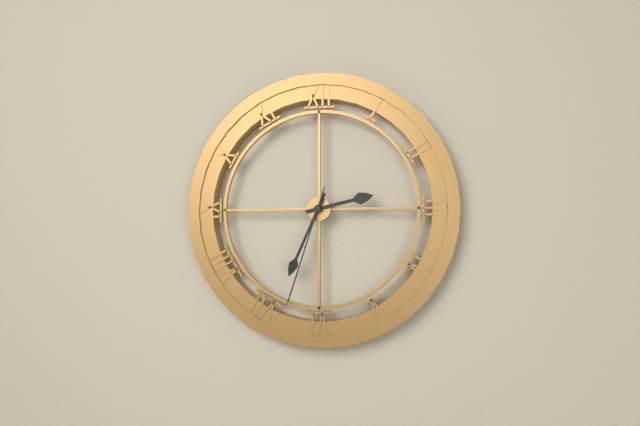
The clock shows {"hour": 2, "minute": 34, "second": 33}
